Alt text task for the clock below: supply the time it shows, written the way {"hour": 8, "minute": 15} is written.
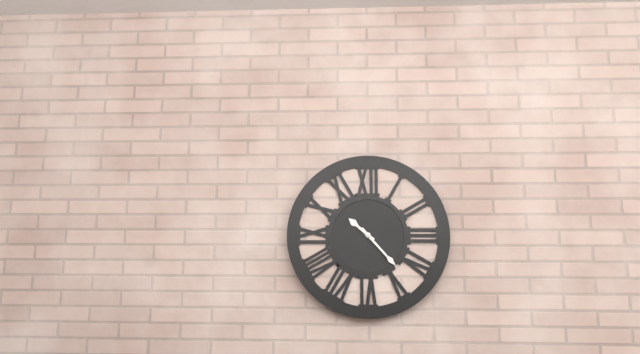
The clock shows {"hour": 10, "minute": 23}
